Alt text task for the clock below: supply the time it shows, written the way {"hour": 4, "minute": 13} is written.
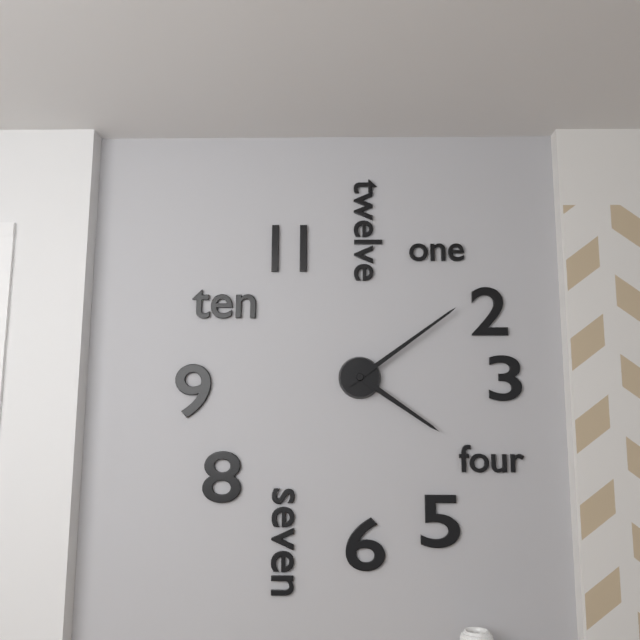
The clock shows {"hour": 4, "minute": 9}
